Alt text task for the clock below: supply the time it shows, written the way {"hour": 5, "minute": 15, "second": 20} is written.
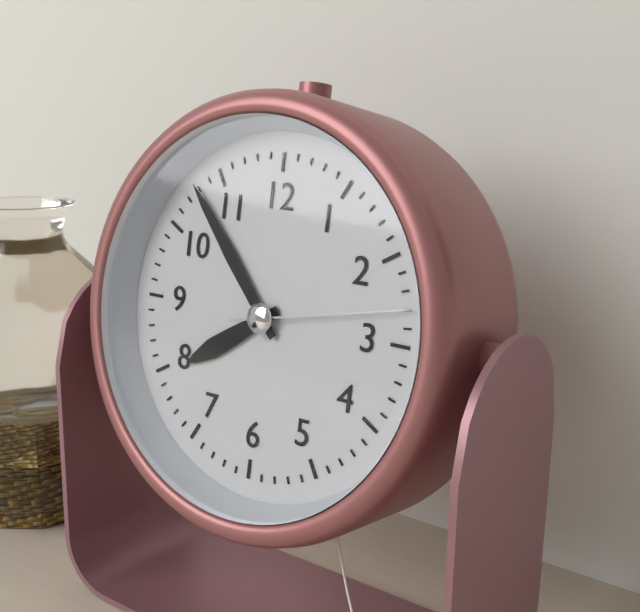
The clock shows {"hour": 7, "minute": 53, "second": 13}
